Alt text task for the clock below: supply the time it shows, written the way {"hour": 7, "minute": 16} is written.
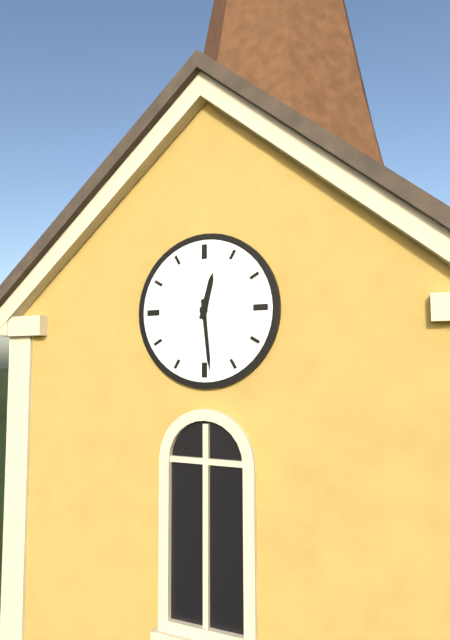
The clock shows {"hour": 12, "minute": 29}
